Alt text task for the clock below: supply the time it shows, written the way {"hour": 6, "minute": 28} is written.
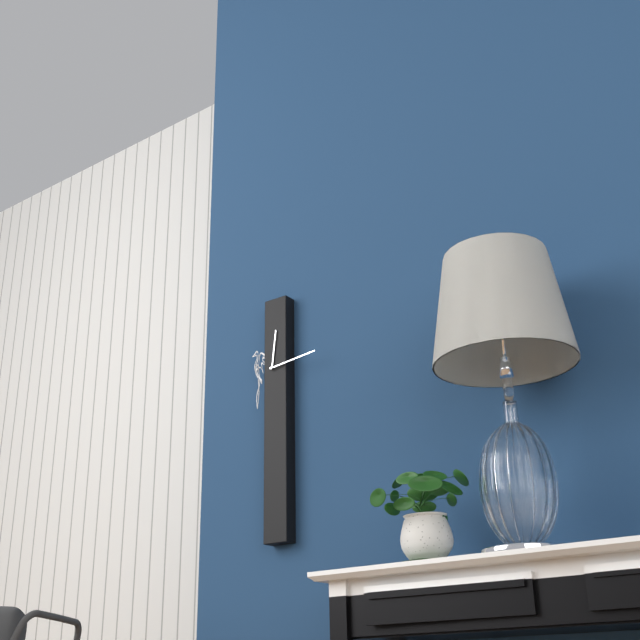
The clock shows {"hour": 12, "minute": 14}
